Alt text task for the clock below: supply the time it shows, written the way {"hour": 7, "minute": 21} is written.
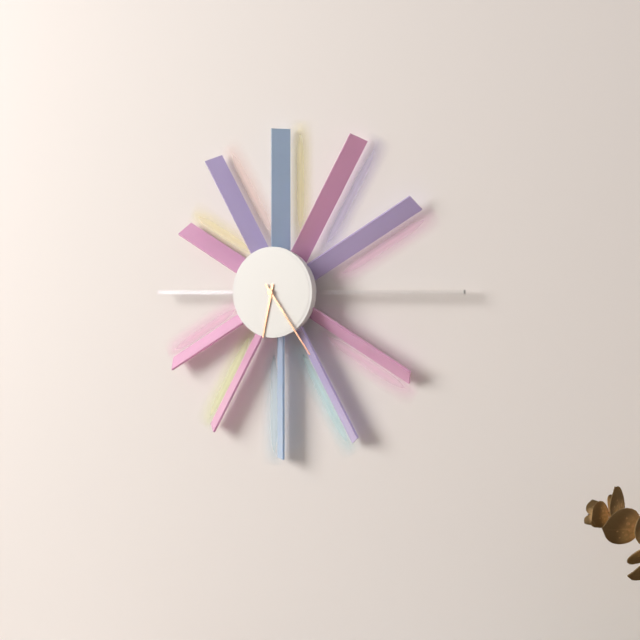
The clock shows {"hour": 6, "minute": 24}
